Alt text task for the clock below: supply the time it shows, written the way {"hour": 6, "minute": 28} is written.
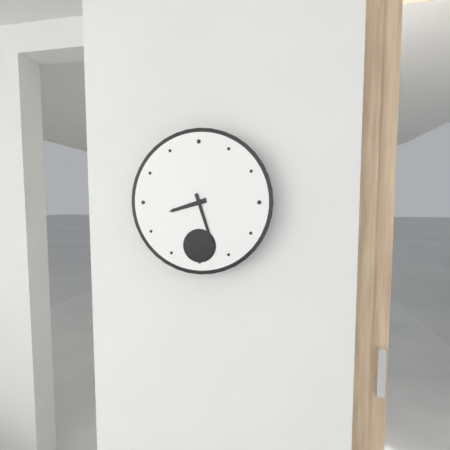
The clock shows {"hour": 8, "minute": 27}
